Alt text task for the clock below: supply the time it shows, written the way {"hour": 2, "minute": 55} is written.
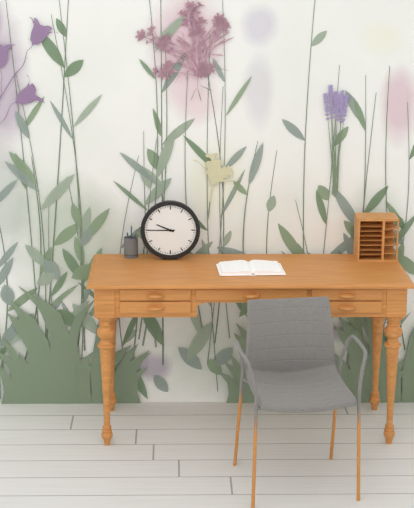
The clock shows {"hour": 9, "minute": 45}
